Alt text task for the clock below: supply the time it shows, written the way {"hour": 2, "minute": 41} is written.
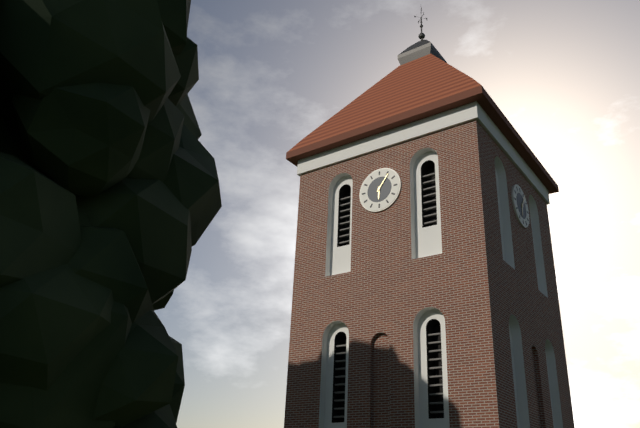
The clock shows {"hour": 6, "minute": 6}
